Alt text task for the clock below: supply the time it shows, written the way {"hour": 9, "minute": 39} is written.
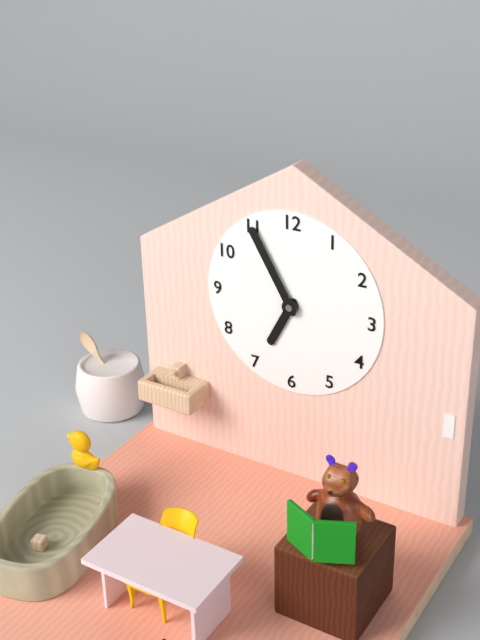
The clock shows {"hour": 6, "minute": 55}
